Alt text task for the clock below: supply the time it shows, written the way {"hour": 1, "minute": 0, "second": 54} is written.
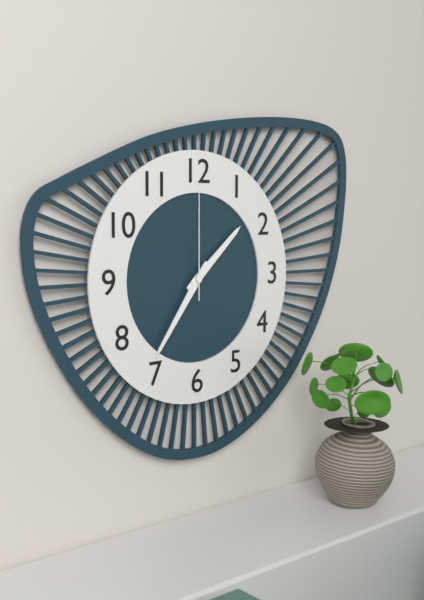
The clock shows {"hour": 1, "minute": 36, "second": 0}
